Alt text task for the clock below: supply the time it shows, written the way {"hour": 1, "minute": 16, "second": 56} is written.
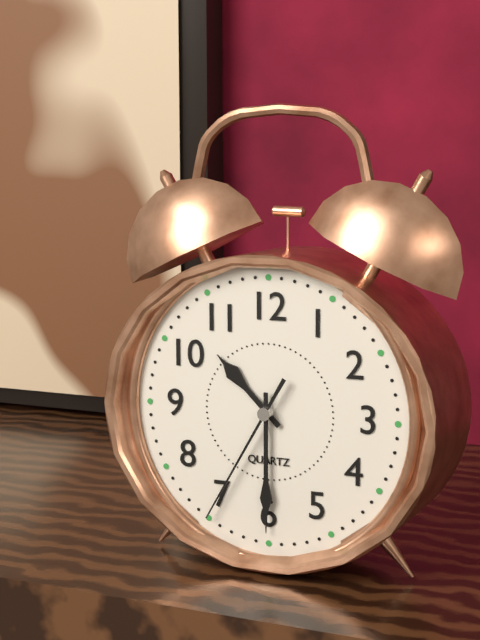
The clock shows {"hour": 10, "minute": 30, "second": 35}
